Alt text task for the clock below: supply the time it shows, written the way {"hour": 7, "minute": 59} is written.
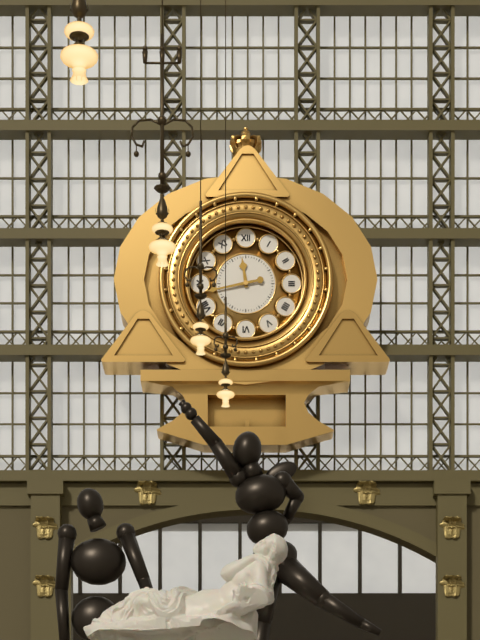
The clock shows {"hour": 11, "minute": 43}
